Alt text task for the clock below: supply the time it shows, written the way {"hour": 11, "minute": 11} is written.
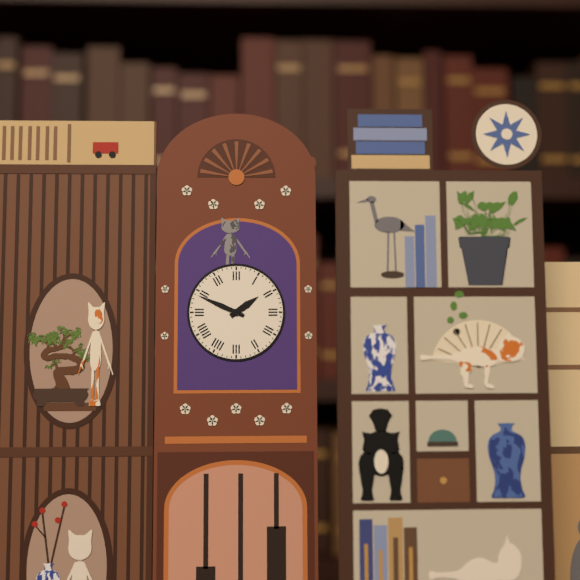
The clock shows {"hour": 1, "minute": 49}
